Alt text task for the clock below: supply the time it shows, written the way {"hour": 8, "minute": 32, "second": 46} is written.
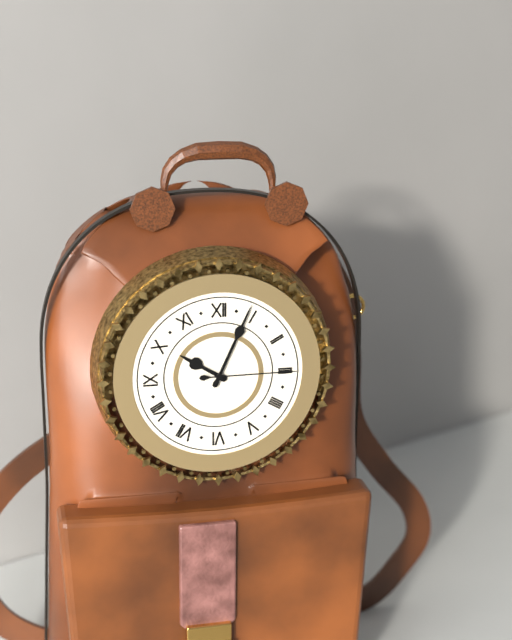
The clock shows {"hour": 10, "minute": 4, "second": 15}
